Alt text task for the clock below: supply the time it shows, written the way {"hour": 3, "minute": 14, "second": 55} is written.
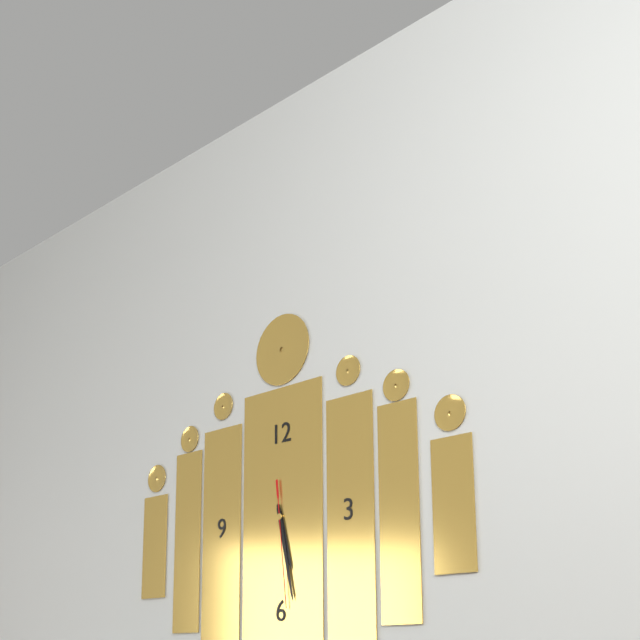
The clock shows {"hour": 5, "minute": 28, "second": 29}
